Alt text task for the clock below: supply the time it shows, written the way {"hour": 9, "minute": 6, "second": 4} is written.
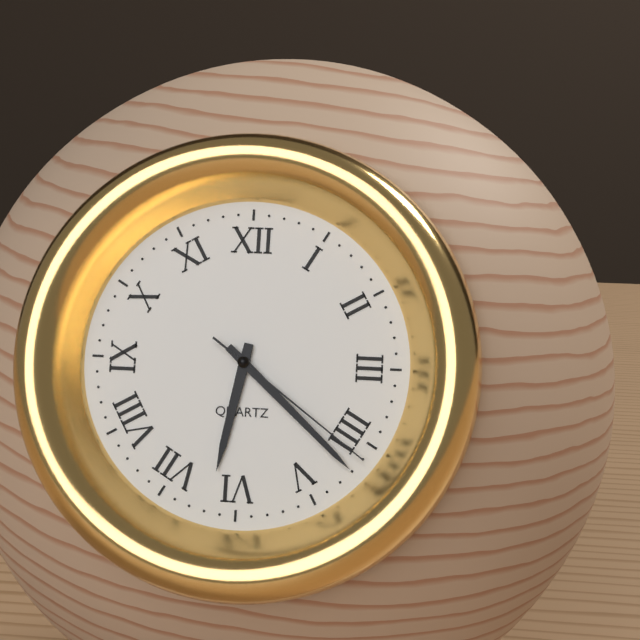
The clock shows {"hour": 6, "minute": 22, "second": 21}
